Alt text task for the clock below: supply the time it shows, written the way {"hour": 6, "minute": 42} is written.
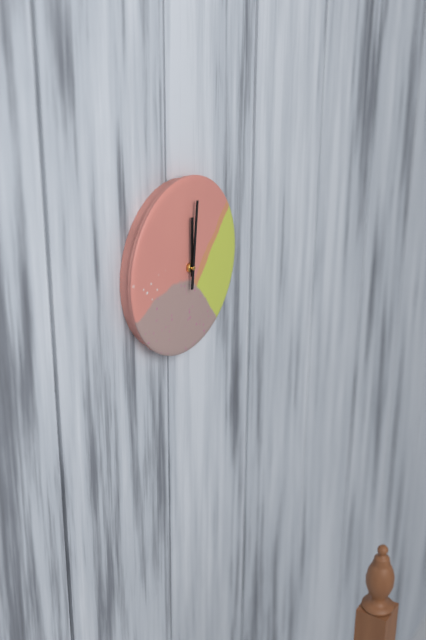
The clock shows {"hour": 12, "minute": 1}
